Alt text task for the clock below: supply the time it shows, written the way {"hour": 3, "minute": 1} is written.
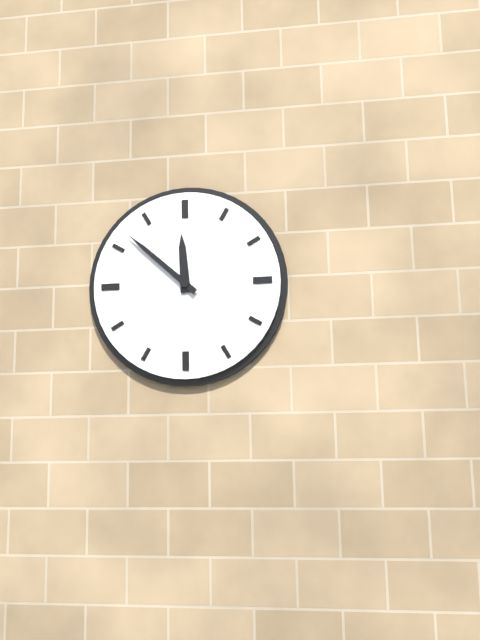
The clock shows {"hour": 11, "minute": 52}
